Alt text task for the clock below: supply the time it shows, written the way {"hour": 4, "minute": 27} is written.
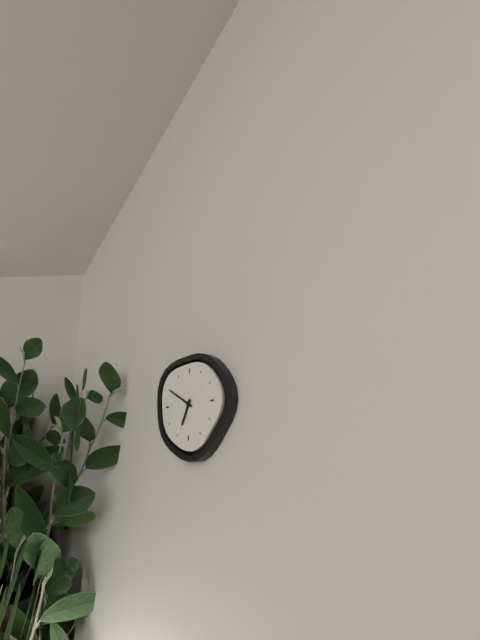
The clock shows {"hour": 6, "minute": 50}
